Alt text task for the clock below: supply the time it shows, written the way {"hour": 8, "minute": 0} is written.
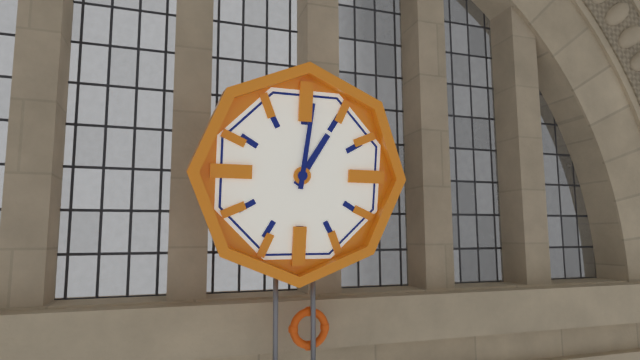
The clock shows {"hour": 1, "minute": 1}
